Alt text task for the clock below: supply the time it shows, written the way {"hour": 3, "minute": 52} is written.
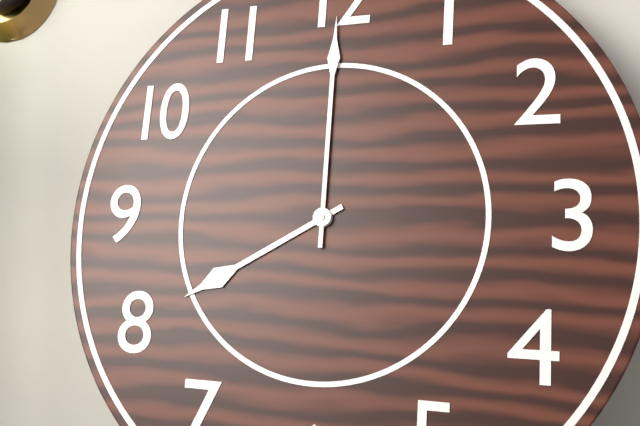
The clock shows {"hour": 8, "minute": 0}
